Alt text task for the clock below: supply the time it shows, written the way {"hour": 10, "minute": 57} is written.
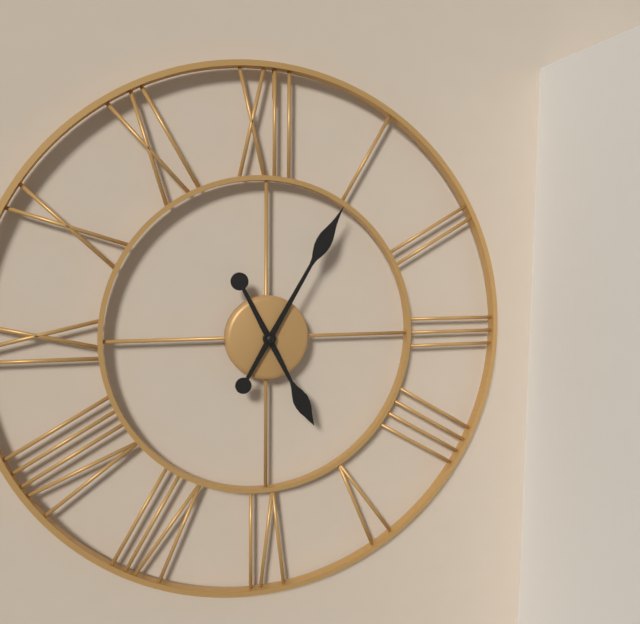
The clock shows {"hour": 5, "minute": 5}
